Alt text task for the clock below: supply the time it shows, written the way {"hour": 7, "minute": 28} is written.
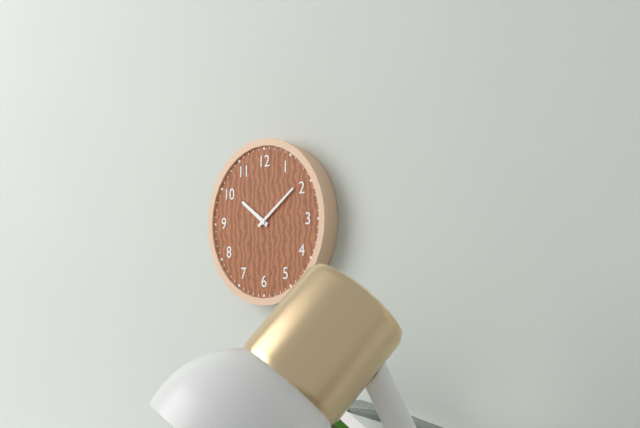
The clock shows {"hour": 10, "minute": 9}
